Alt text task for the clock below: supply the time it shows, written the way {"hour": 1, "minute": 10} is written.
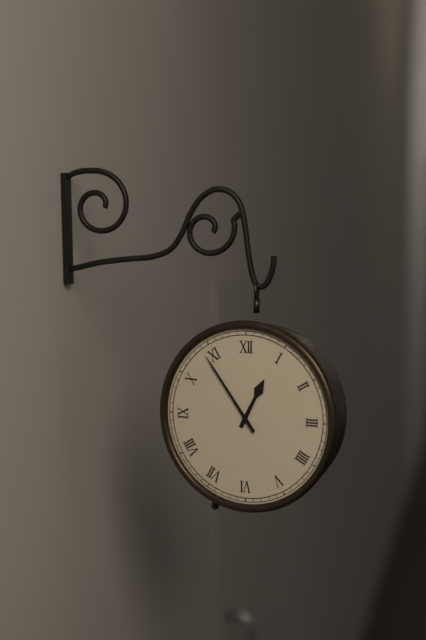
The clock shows {"hour": 12, "minute": 54}
